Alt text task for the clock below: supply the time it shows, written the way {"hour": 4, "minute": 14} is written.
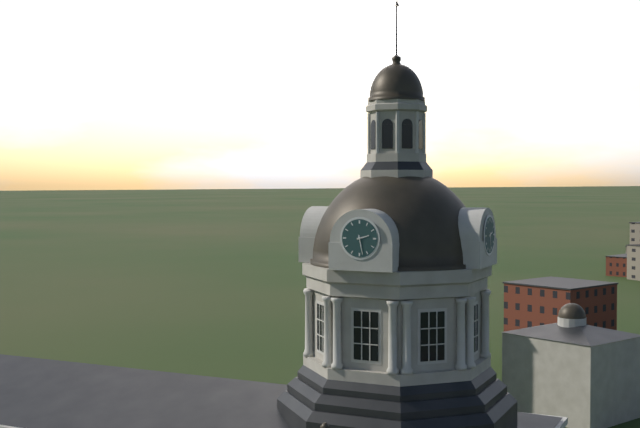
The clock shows {"hour": 2, "minute": 28}
